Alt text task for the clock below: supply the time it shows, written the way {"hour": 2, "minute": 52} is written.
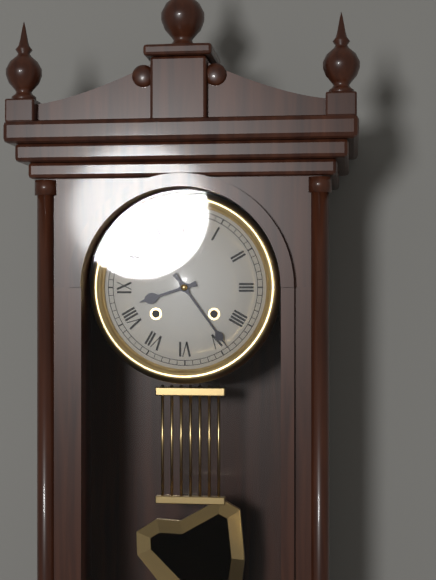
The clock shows {"hour": 8, "minute": 24}
